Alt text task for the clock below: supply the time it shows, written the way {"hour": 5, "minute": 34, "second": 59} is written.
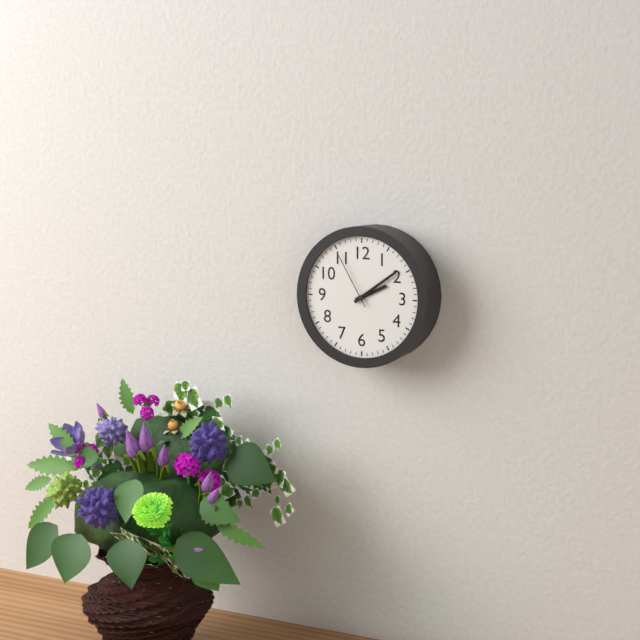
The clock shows {"hour": 2, "minute": 9, "second": 55}
